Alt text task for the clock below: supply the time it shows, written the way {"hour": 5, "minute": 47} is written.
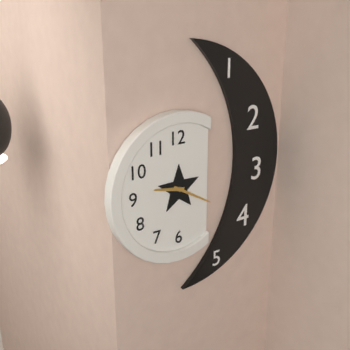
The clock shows {"hour": 9, "minute": 20}
